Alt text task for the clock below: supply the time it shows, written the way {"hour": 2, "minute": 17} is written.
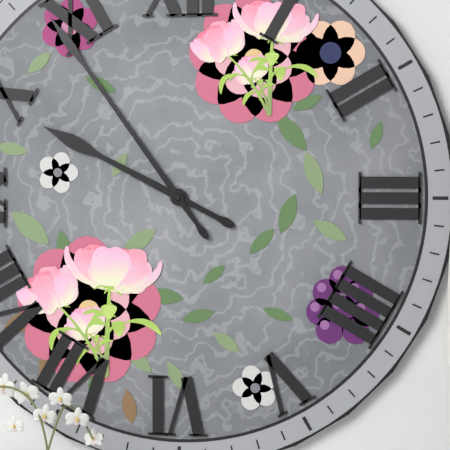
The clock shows {"hour": 9, "minute": 54}
